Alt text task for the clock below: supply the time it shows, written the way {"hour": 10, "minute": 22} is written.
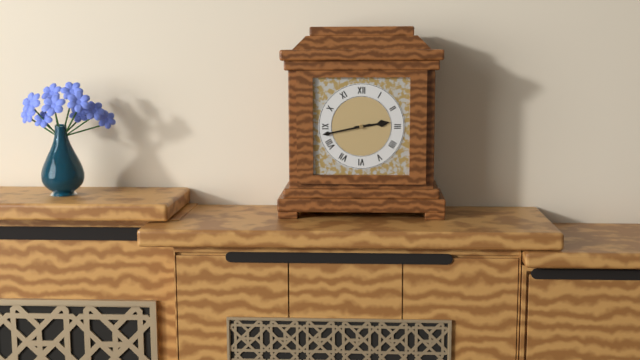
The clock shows {"hour": 2, "minute": 43}
